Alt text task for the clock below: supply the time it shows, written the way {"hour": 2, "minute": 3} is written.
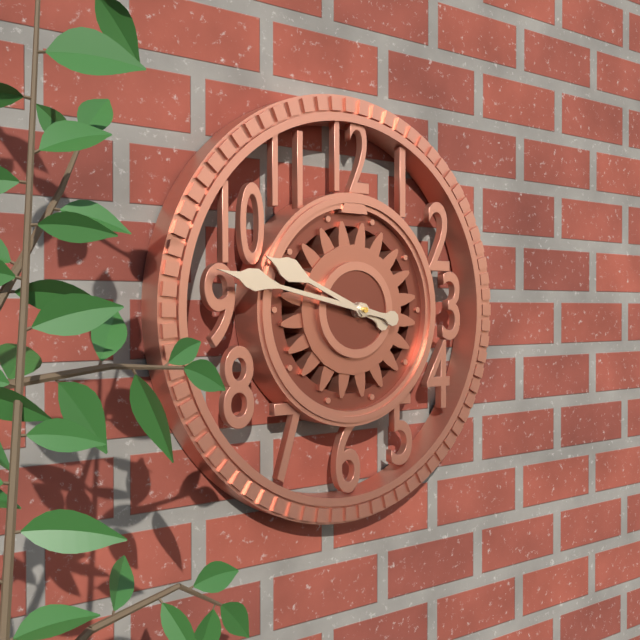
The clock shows {"hour": 9, "minute": 47}
